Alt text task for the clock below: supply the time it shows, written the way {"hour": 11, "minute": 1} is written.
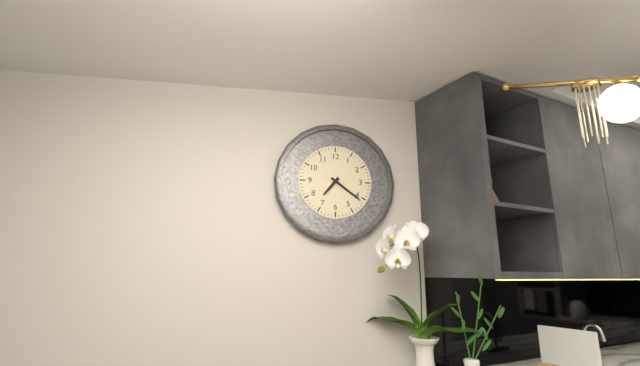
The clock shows {"hour": 7, "minute": 21}
